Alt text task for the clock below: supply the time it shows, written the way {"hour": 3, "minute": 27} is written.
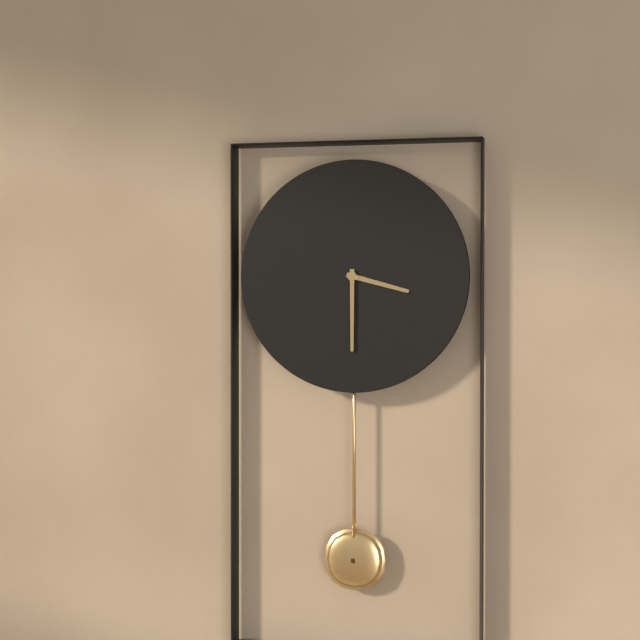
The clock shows {"hour": 3, "minute": 30}
